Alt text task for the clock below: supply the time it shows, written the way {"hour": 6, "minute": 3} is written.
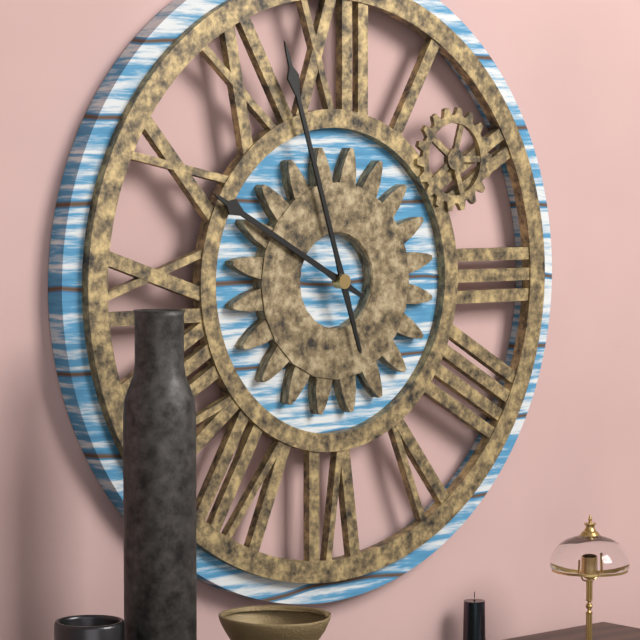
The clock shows {"hour": 9, "minute": 57}
